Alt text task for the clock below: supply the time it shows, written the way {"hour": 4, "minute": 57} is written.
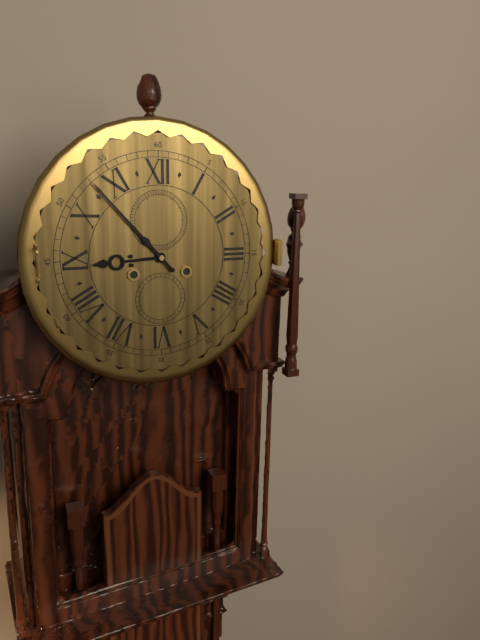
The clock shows {"hour": 8, "minute": 53}
